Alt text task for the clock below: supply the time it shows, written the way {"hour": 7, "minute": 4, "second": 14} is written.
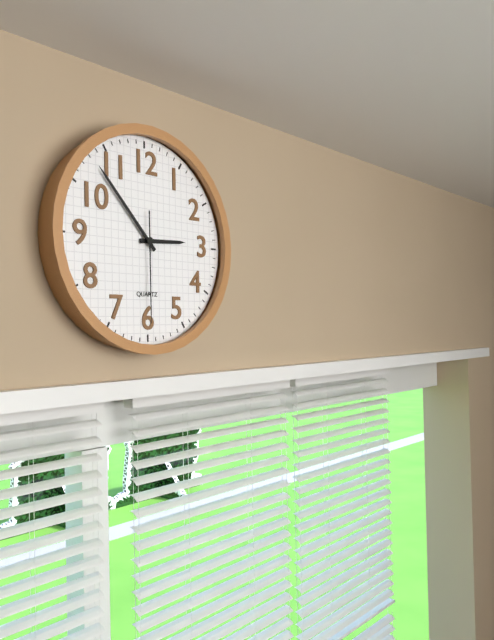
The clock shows {"hour": 2, "minute": 53, "second": 30}
